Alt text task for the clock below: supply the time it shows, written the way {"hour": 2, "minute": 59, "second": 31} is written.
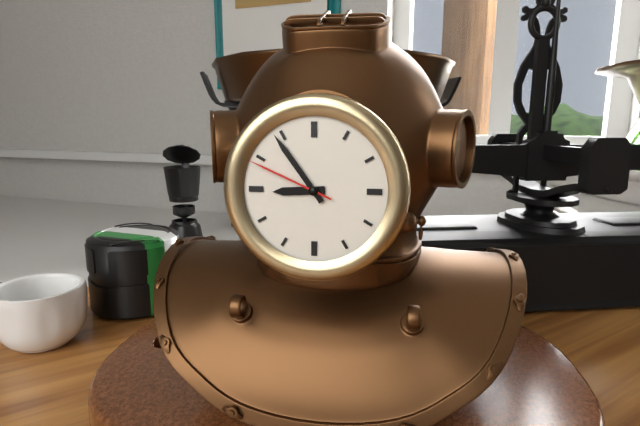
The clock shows {"hour": 8, "minute": 54, "second": 49}
